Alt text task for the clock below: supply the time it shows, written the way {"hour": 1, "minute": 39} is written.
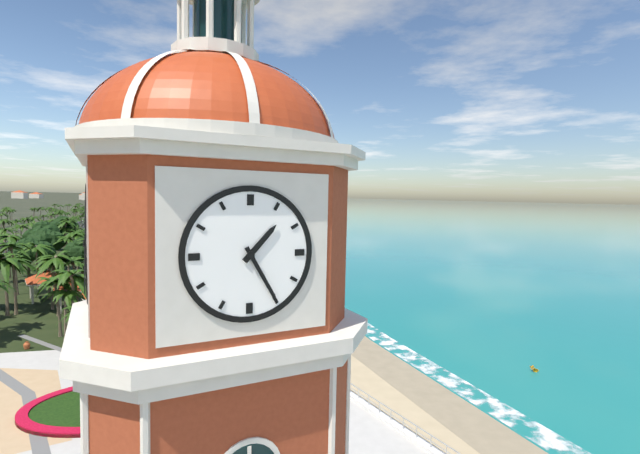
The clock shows {"hour": 1, "minute": 25}
